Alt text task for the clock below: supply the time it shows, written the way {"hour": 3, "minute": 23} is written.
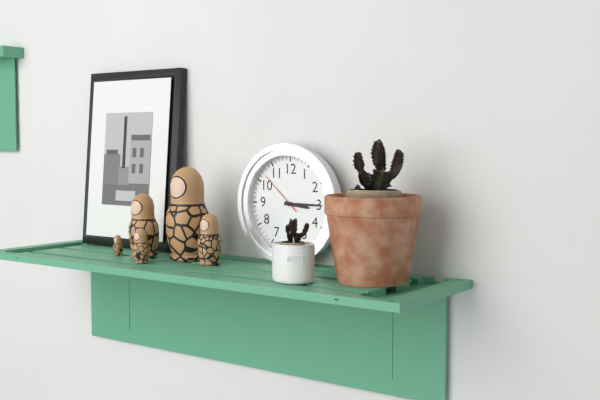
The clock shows {"hour": 3, "minute": 15}
